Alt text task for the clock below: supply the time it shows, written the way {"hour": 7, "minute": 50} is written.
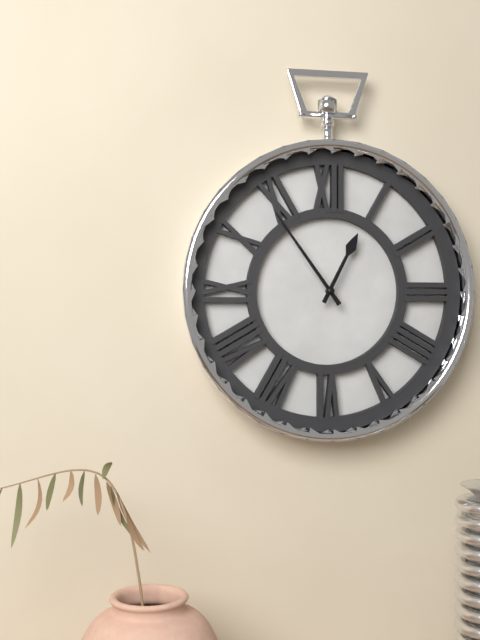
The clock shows {"hour": 12, "minute": 54}
